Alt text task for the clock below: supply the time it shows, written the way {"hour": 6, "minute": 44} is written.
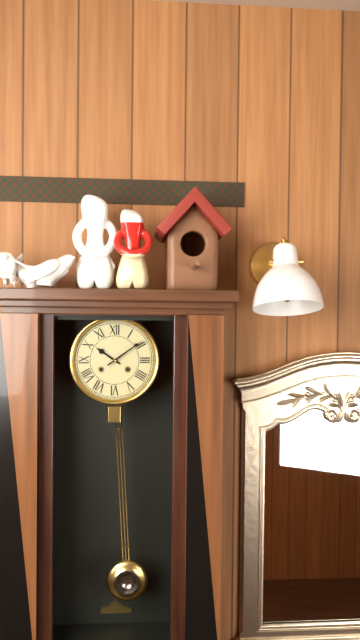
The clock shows {"hour": 10, "minute": 9}
